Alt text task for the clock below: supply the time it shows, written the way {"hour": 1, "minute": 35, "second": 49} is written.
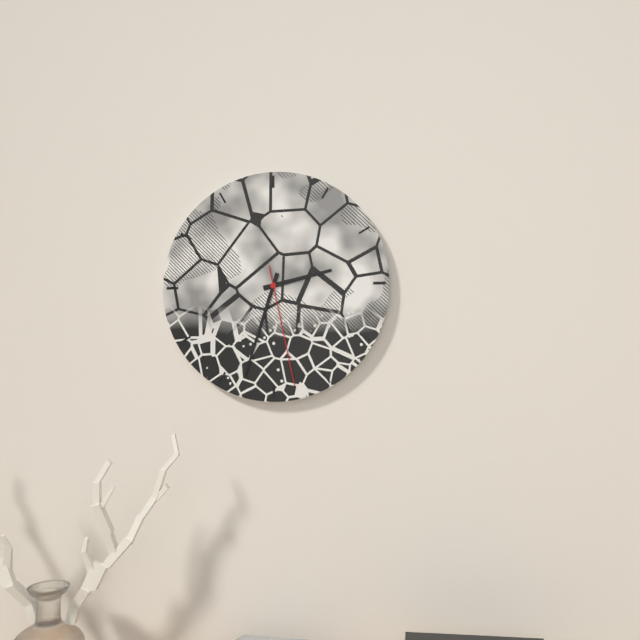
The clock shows {"hour": 2, "minute": 33, "second": 28}
